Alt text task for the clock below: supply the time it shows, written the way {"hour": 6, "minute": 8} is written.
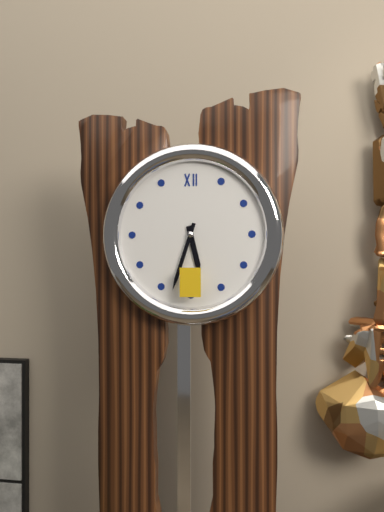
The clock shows {"hour": 5, "minute": 33}
